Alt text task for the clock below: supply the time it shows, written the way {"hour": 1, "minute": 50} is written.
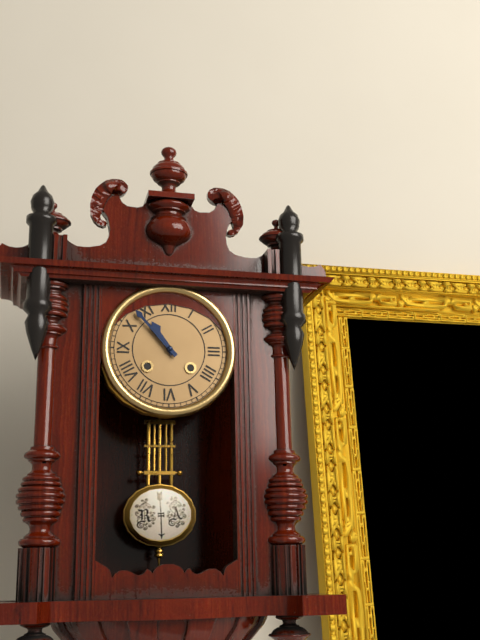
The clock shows {"hour": 10, "minute": 53}
